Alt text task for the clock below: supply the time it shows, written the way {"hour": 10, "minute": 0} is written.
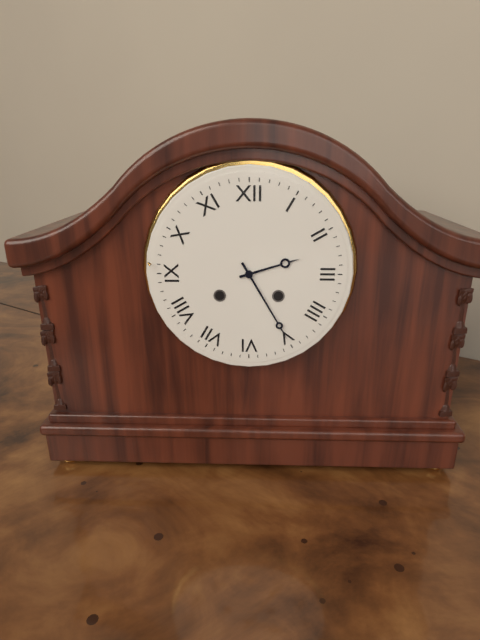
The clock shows {"hour": 2, "minute": 25}
